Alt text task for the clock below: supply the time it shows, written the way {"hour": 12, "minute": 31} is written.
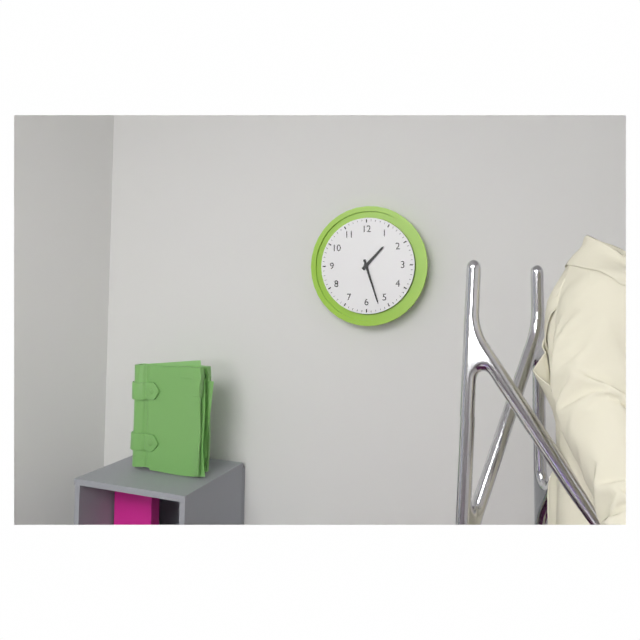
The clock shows {"hour": 1, "minute": 27}
